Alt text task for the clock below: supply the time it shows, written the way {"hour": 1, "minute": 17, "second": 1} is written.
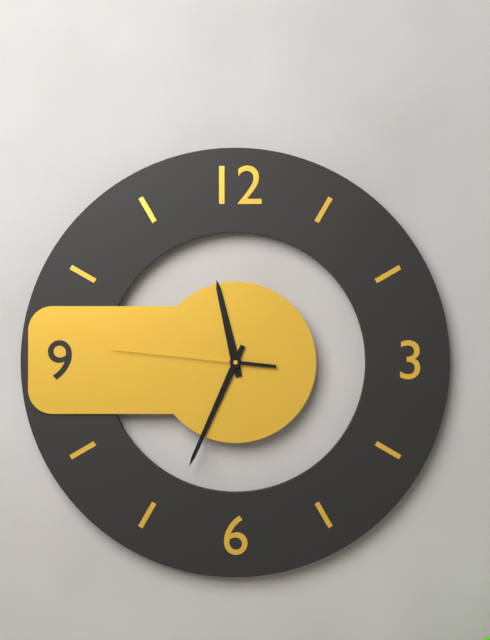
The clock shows {"hour": 11, "minute": 34, "second": 46}
